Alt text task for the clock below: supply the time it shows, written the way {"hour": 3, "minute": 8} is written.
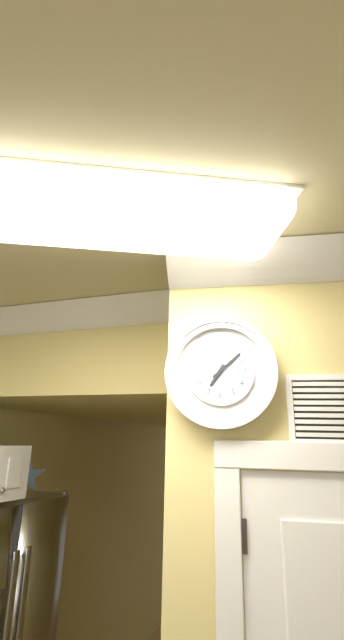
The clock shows {"hour": 7, "minute": 8}
